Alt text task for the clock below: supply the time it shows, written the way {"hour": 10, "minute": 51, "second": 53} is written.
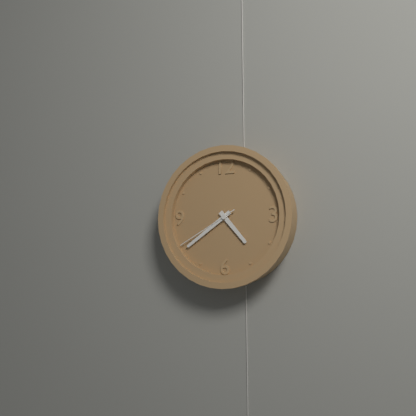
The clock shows {"hour": 4, "minute": 39, "second": 40}
